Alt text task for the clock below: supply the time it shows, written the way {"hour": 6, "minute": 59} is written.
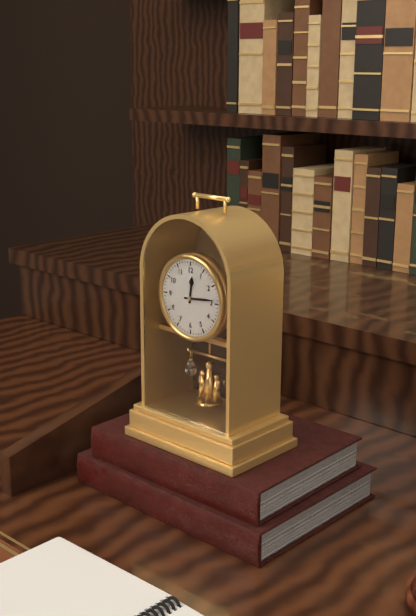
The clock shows {"hour": 12, "minute": 14}
